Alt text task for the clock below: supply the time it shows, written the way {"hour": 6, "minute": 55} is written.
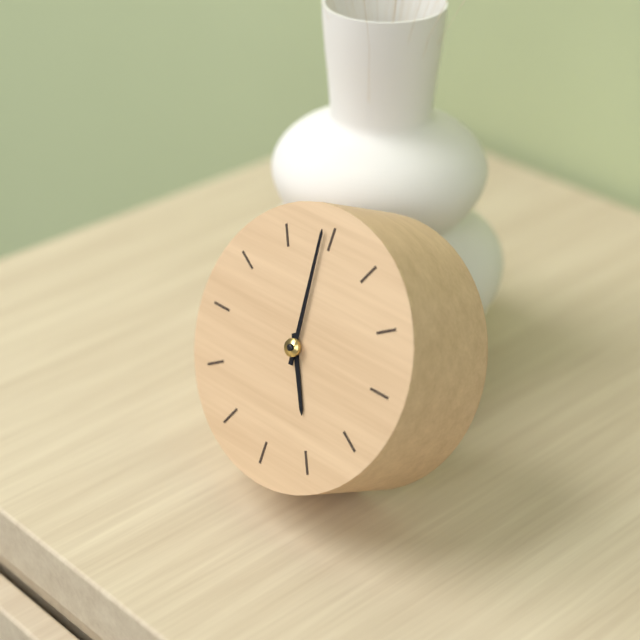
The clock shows {"hour": 4, "minute": 59}
